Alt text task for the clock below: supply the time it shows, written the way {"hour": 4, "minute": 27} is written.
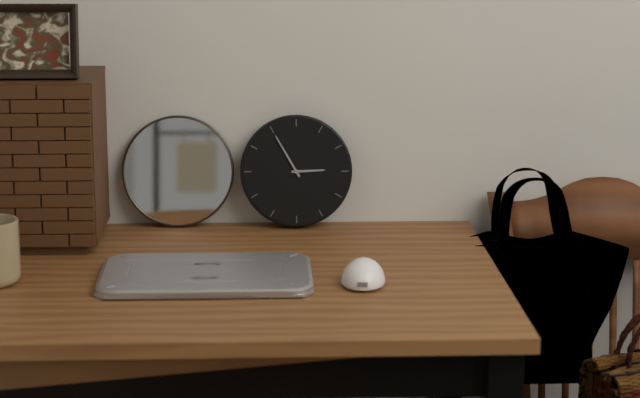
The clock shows {"hour": 2, "minute": 55}
